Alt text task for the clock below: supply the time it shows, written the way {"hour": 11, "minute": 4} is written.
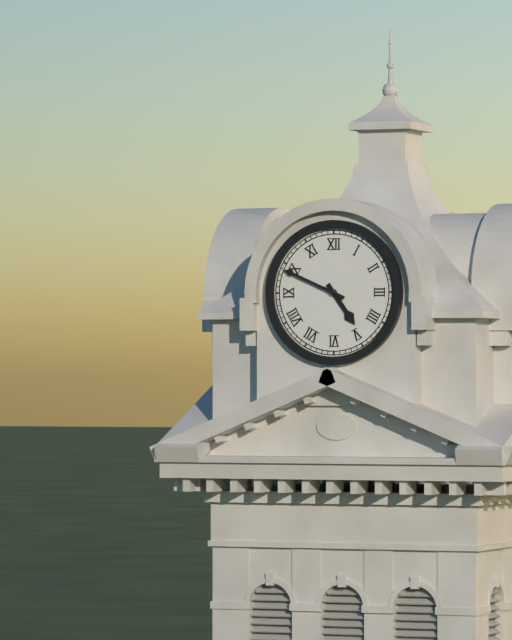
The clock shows {"hour": 4, "minute": 49}
